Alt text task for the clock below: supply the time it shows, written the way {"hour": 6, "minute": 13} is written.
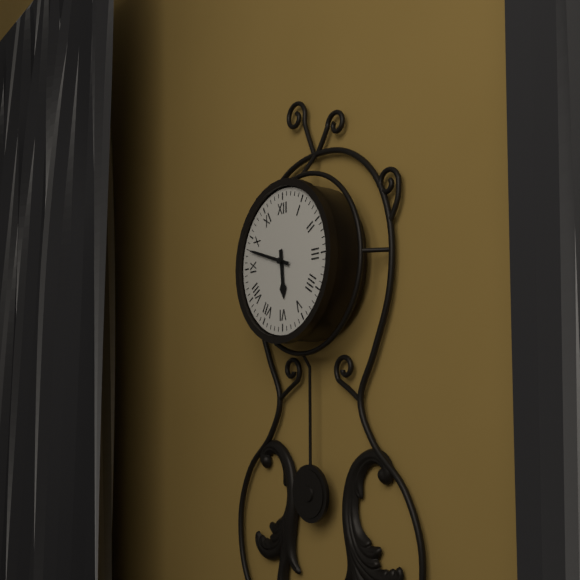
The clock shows {"hour": 5, "minute": 48}
